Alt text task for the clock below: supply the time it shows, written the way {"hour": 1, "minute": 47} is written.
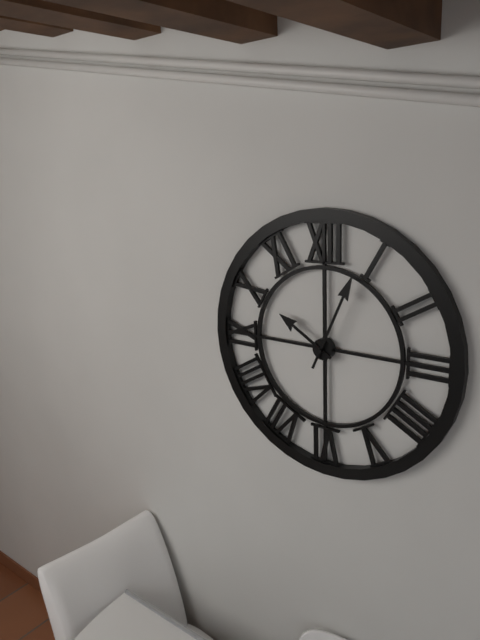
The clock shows {"hour": 10, "minute": 4}
